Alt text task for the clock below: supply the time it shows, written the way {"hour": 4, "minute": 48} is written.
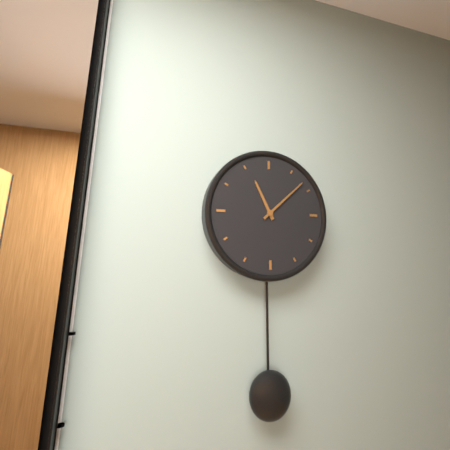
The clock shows {"hour": 11, "minute": 8}
